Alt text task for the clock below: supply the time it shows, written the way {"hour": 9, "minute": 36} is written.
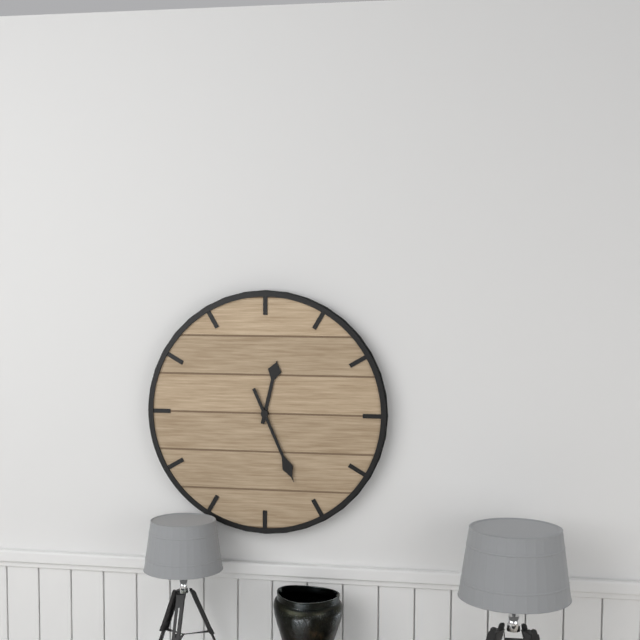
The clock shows {"hour": 12, "minute": 26}
